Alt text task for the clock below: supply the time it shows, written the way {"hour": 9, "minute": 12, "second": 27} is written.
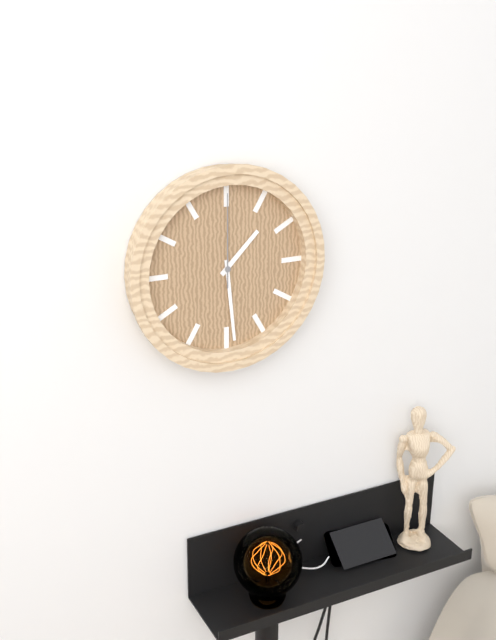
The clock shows {"hour": 1, "minute": 29, "second": 0}
